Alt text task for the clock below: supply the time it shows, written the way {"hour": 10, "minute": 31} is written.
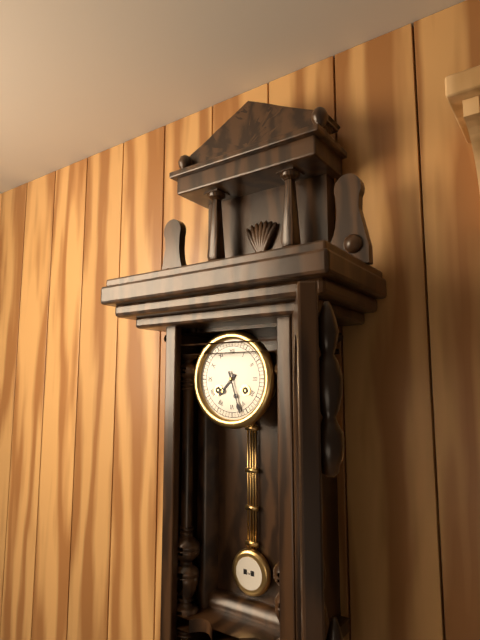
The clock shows {"hour": 7, "minute": 27}
